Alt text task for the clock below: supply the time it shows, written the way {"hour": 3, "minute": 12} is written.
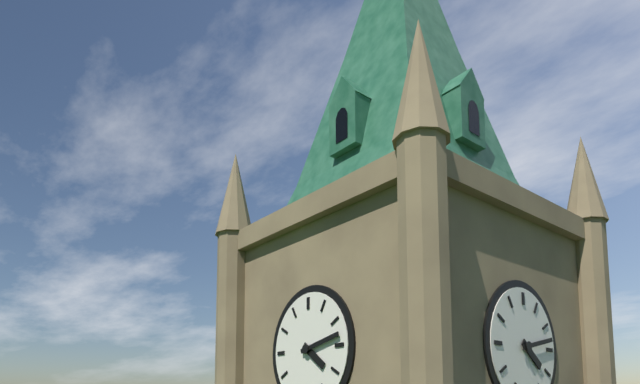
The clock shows {"hour": 4, "minute": 13}
